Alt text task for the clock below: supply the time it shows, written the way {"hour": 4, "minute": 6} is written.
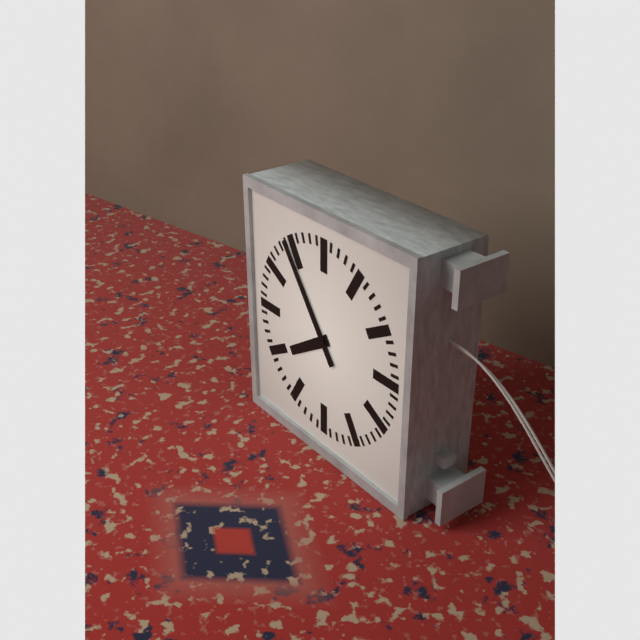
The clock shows {"hour": 7, "minute": 54}
